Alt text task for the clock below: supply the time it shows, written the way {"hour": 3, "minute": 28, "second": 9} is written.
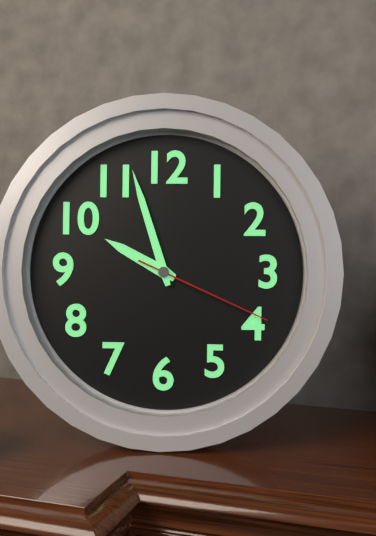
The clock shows {"hour": 9, "minute": 57, "second": 19}
